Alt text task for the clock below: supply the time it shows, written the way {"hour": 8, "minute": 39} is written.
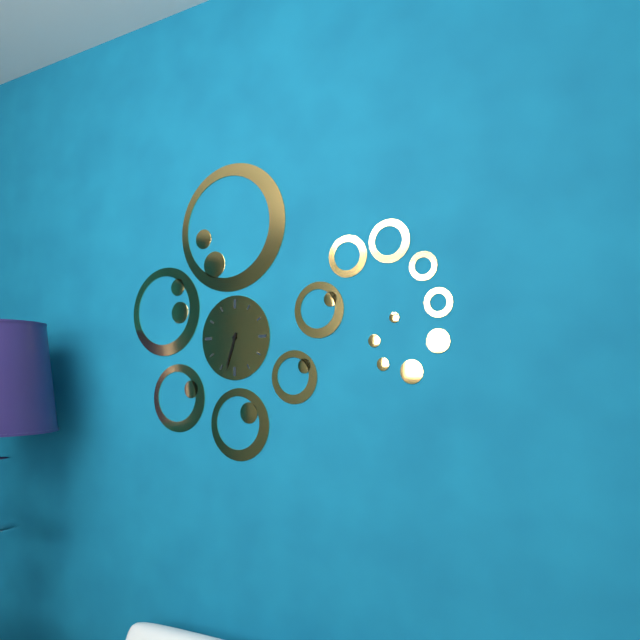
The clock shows {"hour": 6, "minute": 33}
